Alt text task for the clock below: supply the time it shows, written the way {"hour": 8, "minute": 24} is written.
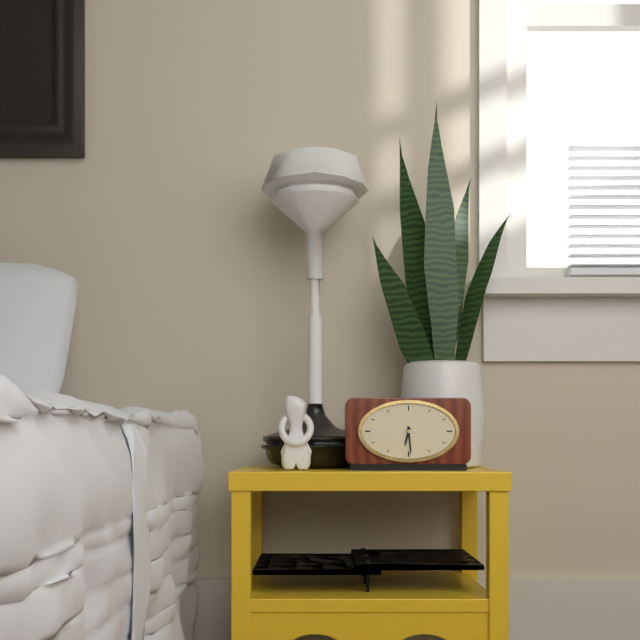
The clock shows {"hour": 6, "minute": 29}
